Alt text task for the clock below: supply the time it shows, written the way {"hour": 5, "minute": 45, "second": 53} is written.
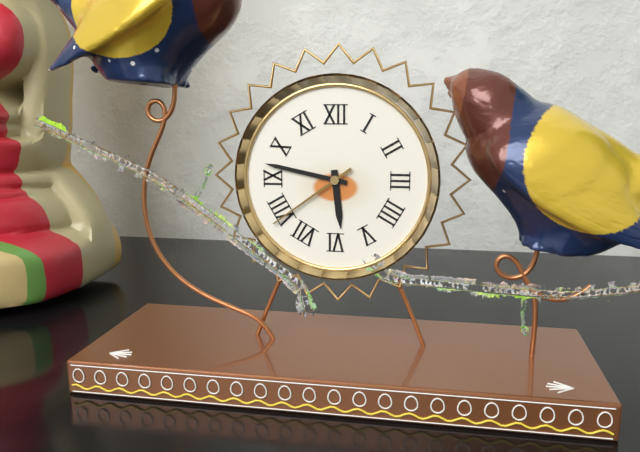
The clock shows {"hour": 5, "minute": 47, "second": 39}
